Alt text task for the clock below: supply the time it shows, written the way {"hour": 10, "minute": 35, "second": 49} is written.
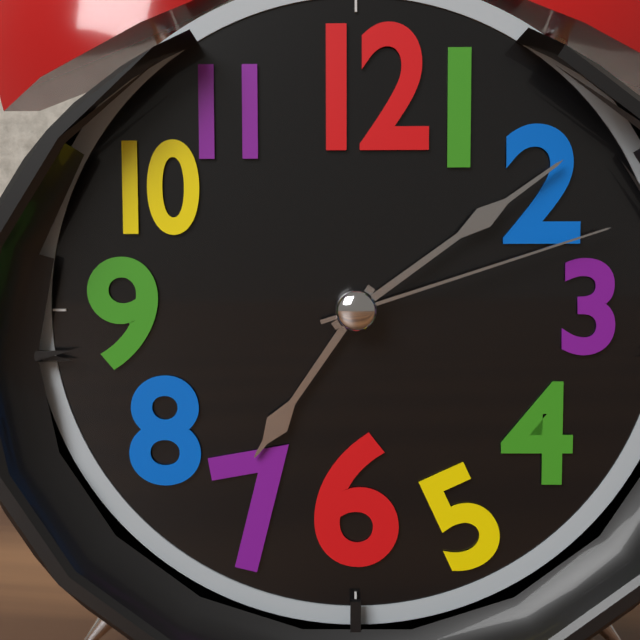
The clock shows {"hour": 7, "minute": 9, "second": 12}
